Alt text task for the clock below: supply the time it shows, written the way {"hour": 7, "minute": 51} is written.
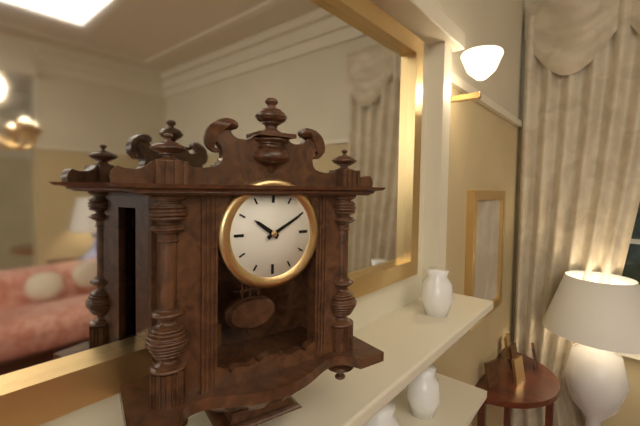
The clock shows {"hour": 10, "minute": 10}
